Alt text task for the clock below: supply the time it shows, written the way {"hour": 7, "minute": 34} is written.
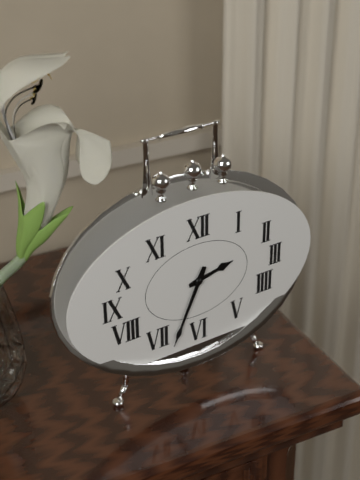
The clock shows {"hour": 2, "minute": 34}
